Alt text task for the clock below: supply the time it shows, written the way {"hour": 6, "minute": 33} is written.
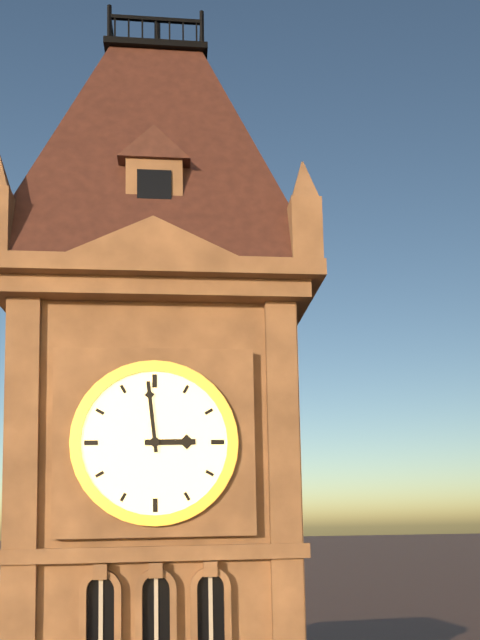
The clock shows {"hour": 2, "minute": 59}
